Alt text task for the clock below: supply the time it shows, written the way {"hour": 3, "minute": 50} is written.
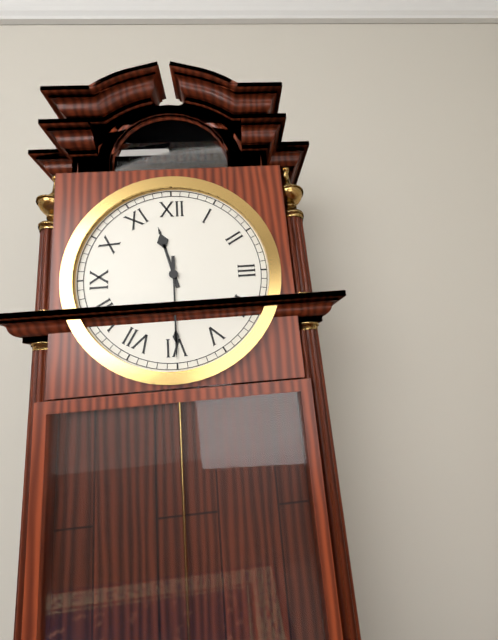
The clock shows {"hour": 11, "minute": 30}
